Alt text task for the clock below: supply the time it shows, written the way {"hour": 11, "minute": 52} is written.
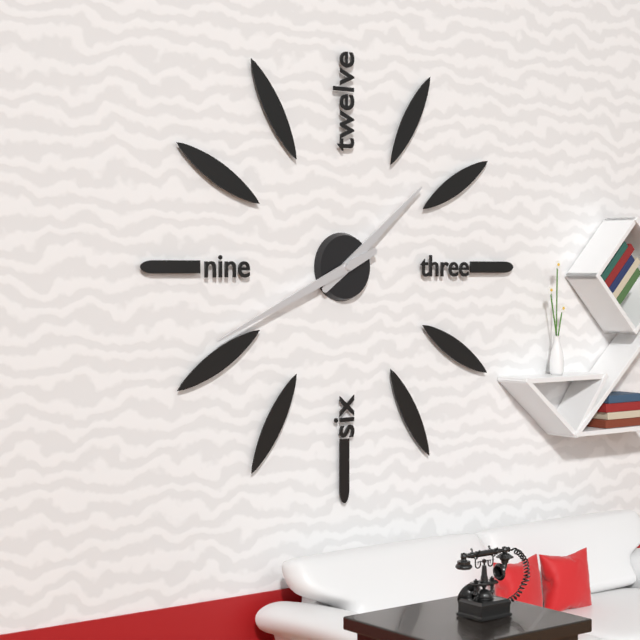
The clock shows {"hour": 1, "minute": 41}
